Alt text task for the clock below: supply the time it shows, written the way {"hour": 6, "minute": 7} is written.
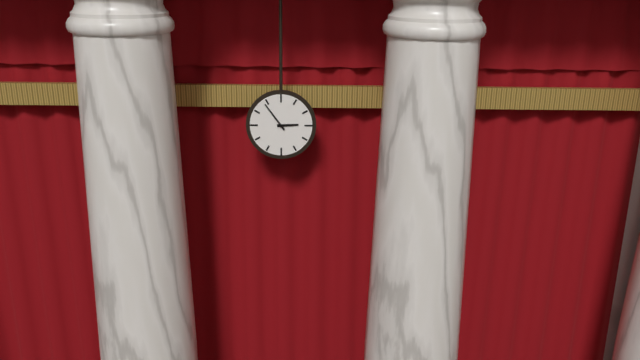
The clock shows {"hour": 2, "minute": 54}
